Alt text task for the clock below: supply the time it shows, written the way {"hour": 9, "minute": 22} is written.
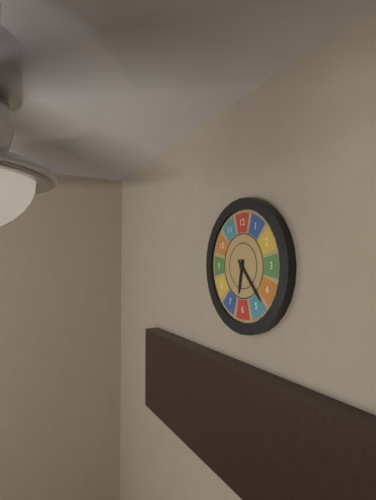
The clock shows {"hour": 6, "minute": 23}
